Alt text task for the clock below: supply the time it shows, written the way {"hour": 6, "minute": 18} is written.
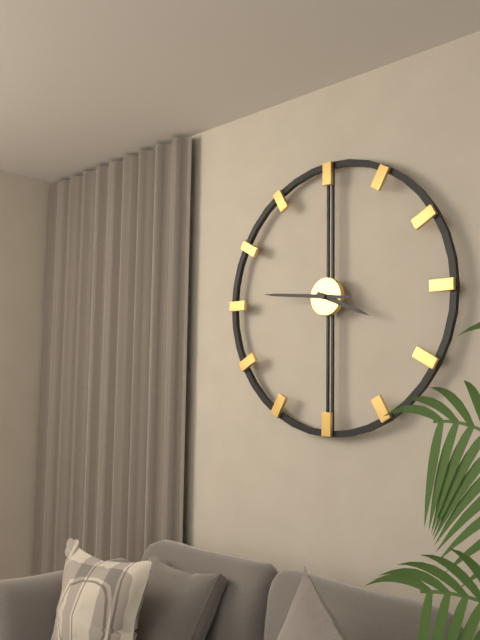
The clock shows {"hour": 3, "minute": 46}
